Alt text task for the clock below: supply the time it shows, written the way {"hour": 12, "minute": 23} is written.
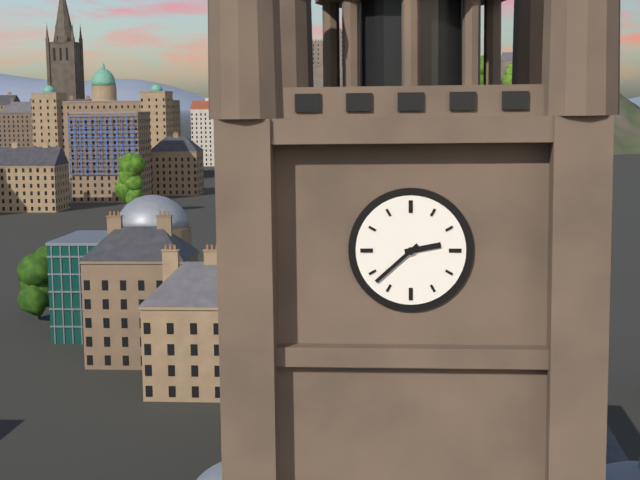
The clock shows {"hour": 2, "minute": 38}
